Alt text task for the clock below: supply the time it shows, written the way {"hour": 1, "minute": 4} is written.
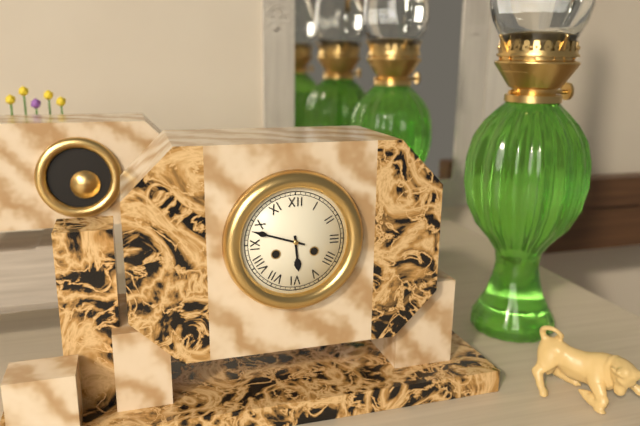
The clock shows {"hour": 5, "minute": 48}
